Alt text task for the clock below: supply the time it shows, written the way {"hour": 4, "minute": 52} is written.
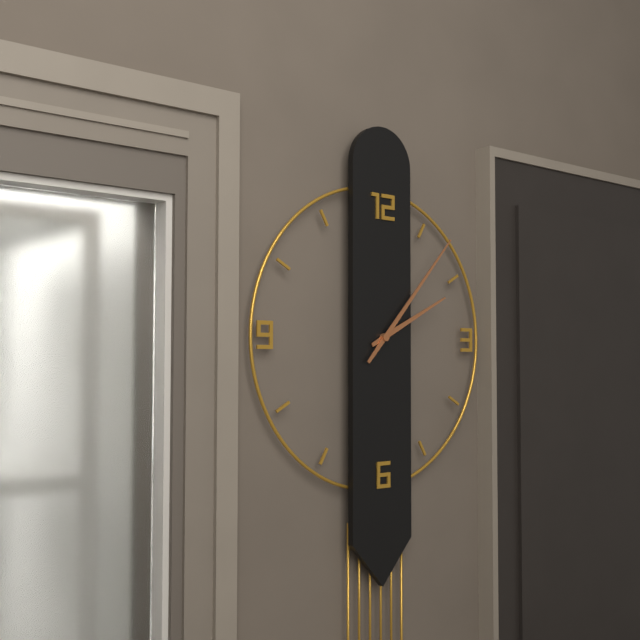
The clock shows {"hour": 2, "minute": 7}
